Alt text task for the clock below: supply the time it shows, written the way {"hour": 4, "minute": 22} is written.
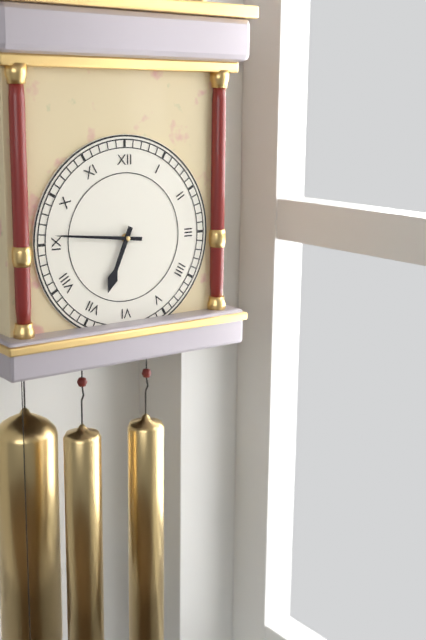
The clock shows {"hour": 6, "minute": 46}
